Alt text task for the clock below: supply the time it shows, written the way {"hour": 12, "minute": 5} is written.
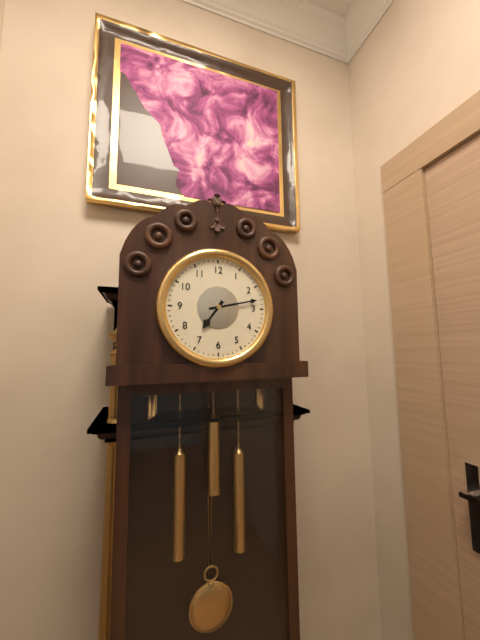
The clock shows {"hour": 7, "minute": 13}
